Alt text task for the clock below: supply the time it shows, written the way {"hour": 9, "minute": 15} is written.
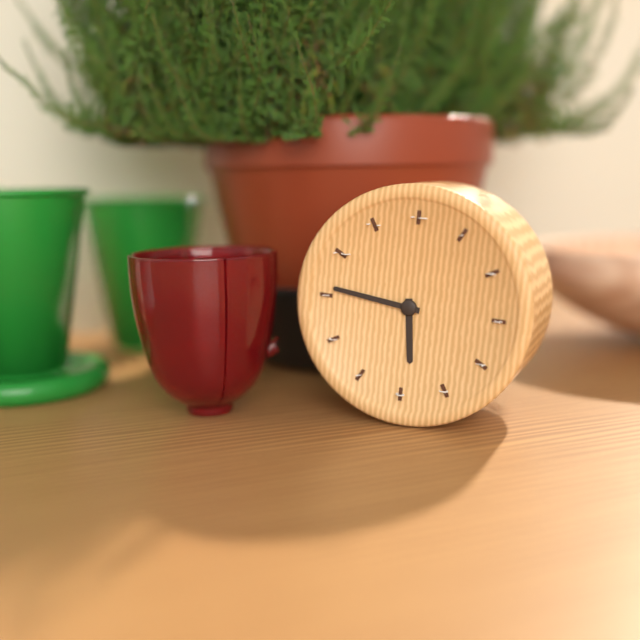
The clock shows {"hour": 5, "minute": 46}
